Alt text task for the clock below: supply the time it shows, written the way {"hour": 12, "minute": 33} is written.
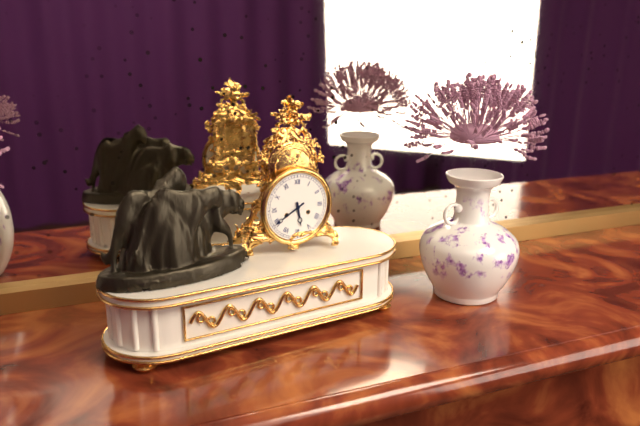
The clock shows {"hour": 5, "minute": 40}
